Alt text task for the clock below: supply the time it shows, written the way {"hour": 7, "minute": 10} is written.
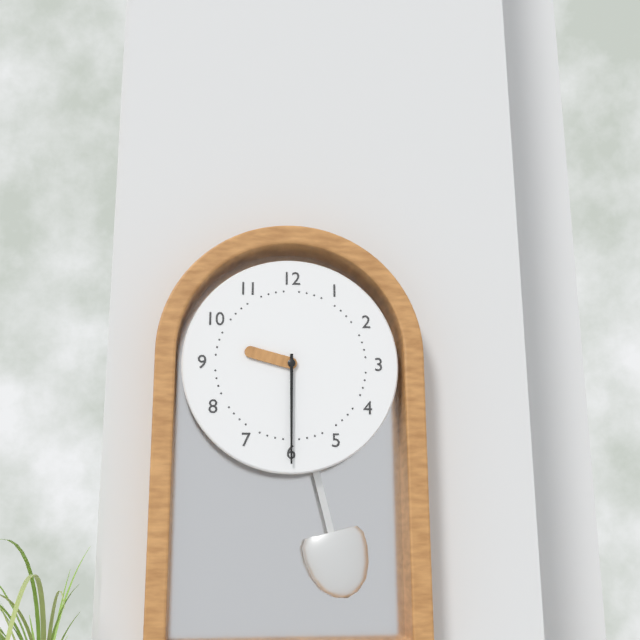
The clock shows {"hour": 9, "minute": 30}
